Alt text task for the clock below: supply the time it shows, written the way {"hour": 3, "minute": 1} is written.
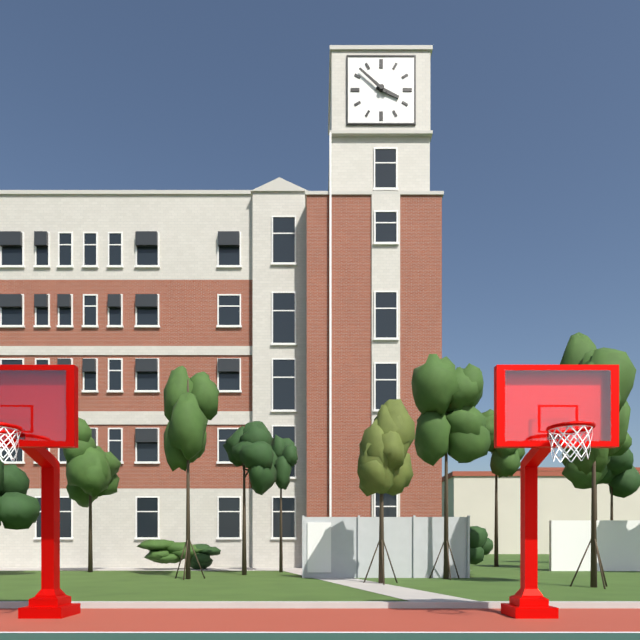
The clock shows {"hour": 3, "minute": 52}
